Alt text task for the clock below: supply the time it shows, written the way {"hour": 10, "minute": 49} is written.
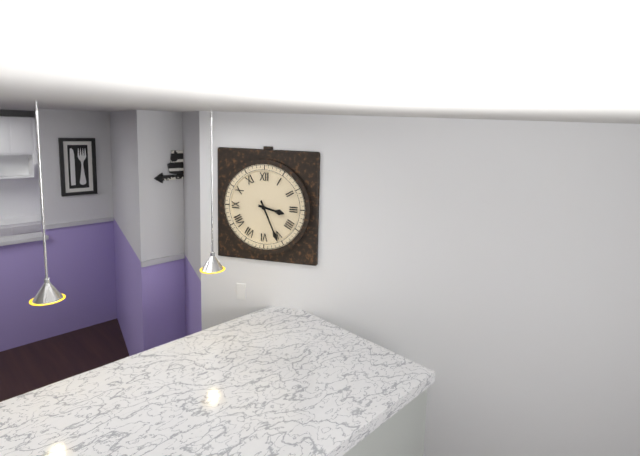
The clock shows {"hour": 3, "minute": 26}
